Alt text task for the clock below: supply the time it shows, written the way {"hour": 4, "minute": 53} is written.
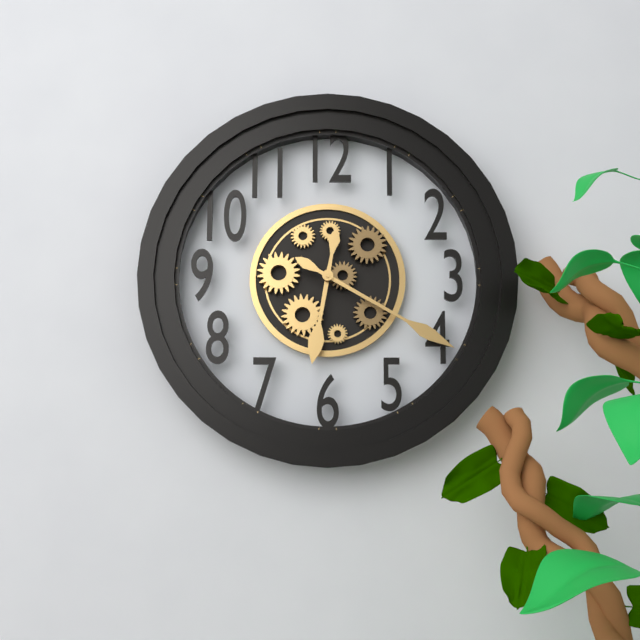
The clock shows {"hour": 6, "minute": 20}
